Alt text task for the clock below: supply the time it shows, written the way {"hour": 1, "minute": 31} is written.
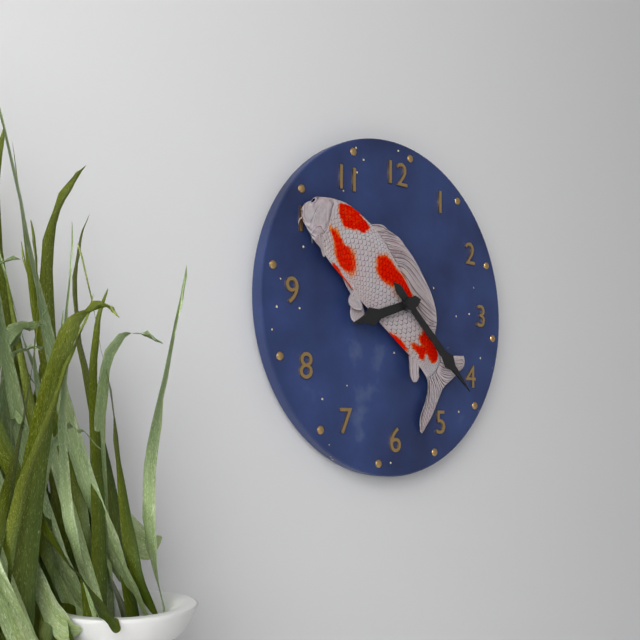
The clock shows {"hour": 8, "minute": 22}
